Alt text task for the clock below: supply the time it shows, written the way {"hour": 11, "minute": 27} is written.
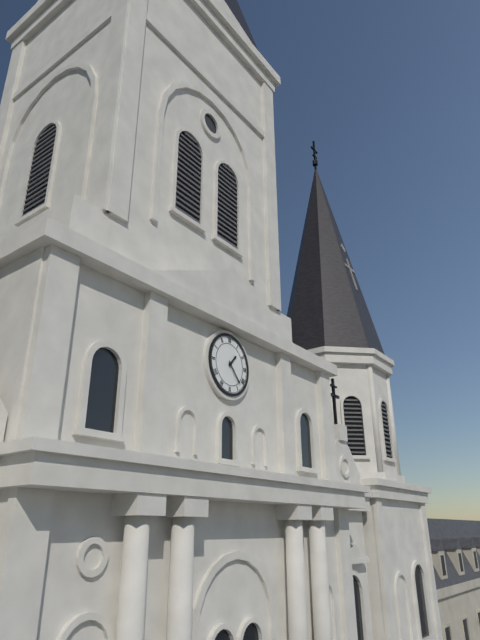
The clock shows {"hour": 1, "minute": 23}
